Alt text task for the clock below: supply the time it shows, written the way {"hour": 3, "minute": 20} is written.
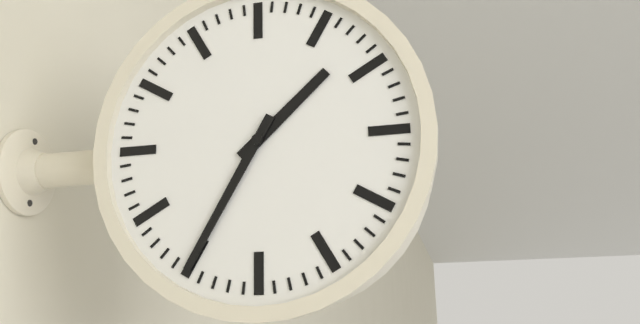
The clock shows {"hour": 1, "minute": 35}
